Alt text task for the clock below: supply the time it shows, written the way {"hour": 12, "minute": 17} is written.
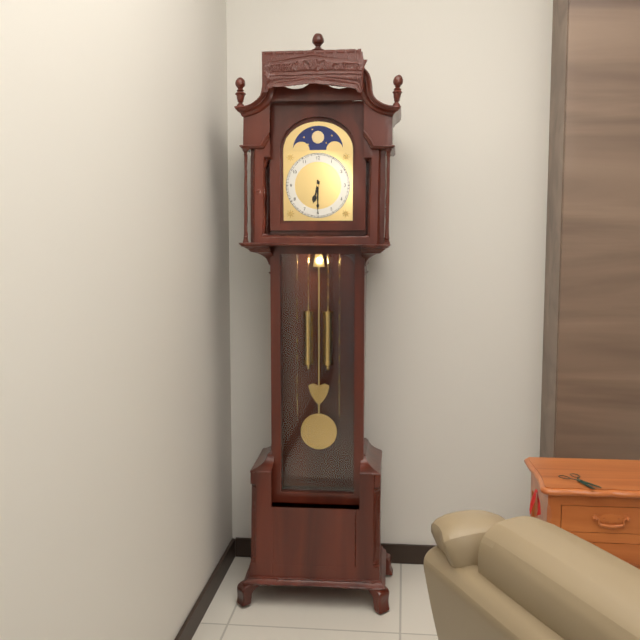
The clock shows {"hour": 6, "minute": 30}
